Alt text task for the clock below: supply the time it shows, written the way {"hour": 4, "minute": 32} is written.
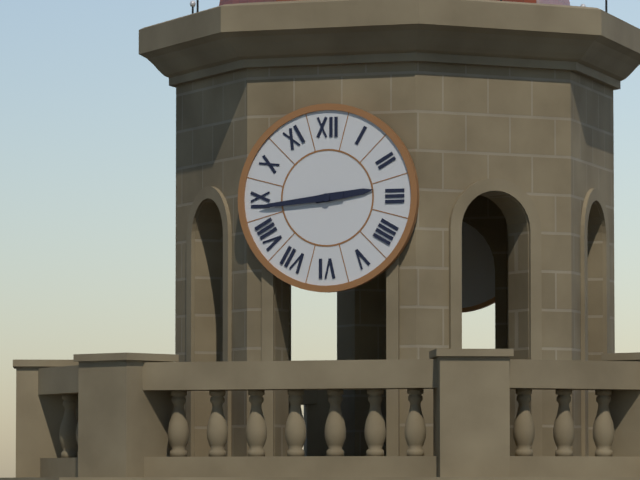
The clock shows {"hour": 2, "minute": 44}
